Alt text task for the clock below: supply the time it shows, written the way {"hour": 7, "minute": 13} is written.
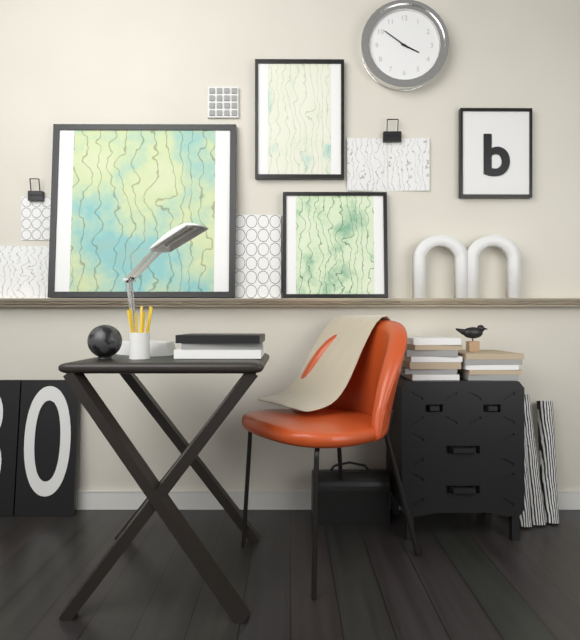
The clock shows {"hour": 3, "minute": 51}
